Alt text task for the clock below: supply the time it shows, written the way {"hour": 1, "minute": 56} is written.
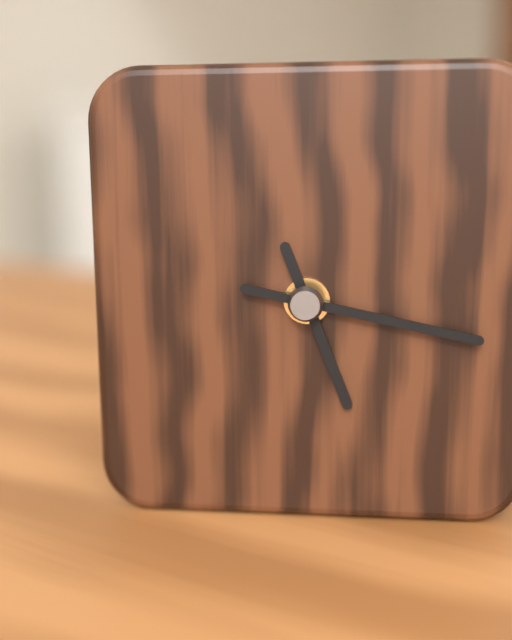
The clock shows {"hour": 5, "minute": 17}
